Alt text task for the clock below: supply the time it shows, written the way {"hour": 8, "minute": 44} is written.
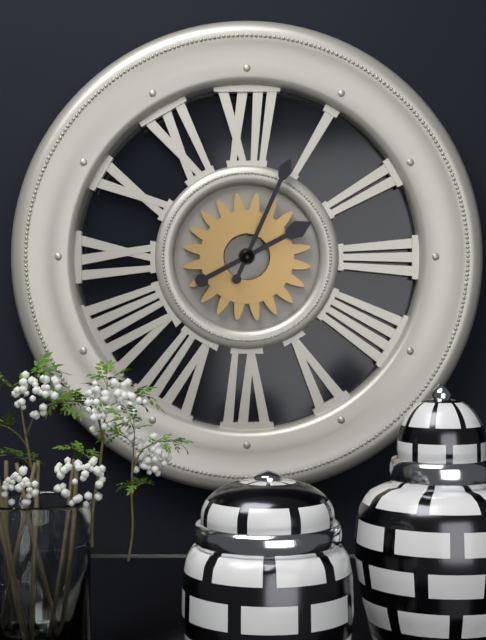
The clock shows {"hour": 2, "minute": 4}
